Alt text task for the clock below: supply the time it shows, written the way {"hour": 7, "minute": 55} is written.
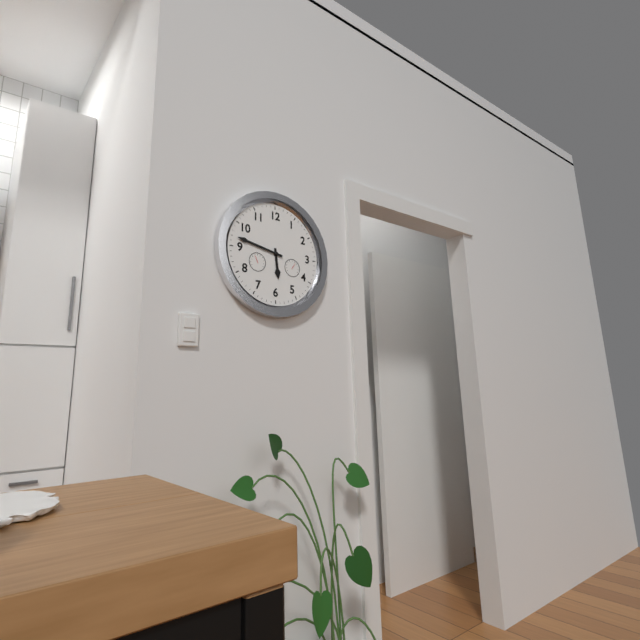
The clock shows {"hour": 5, "minute": 47}
